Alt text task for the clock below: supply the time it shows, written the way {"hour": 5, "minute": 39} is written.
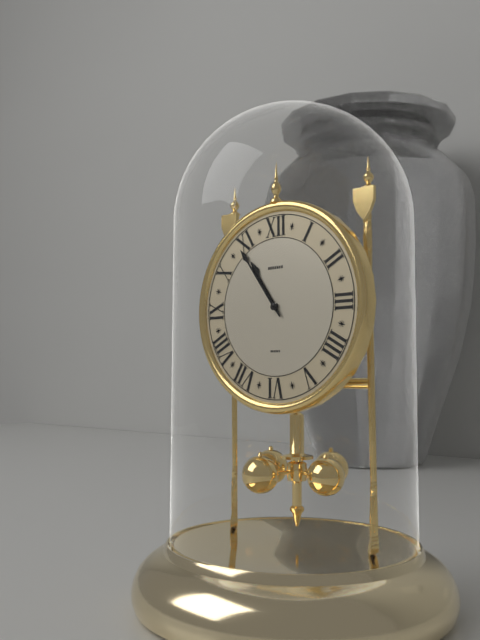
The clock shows {"hour": 10, "minute": 54}
